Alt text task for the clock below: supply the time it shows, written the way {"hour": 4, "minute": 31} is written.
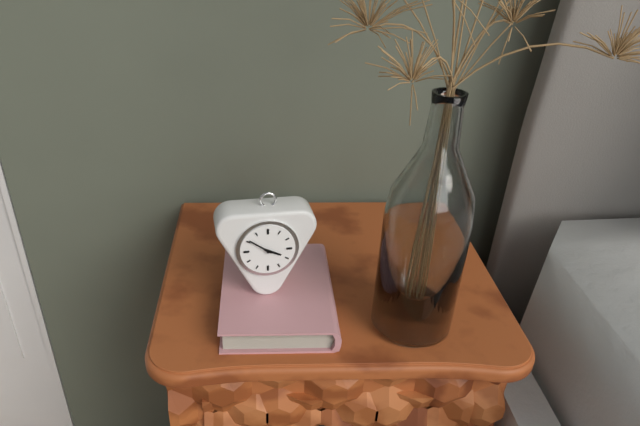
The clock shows {"hour": 3, "minute": 51}
